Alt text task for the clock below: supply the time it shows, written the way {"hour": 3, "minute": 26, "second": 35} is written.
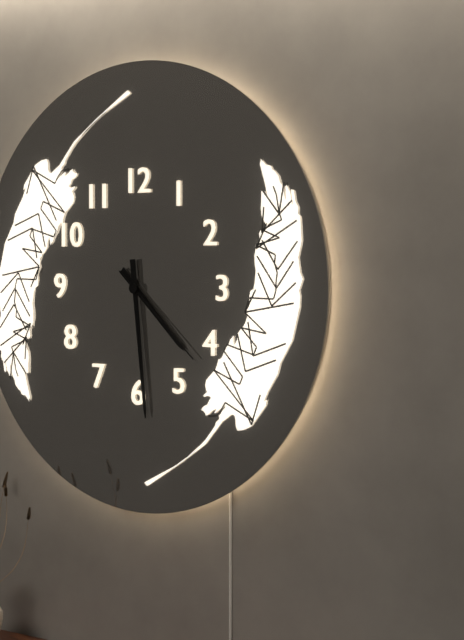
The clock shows {"hour": 4, "minute": 29, "second": 22}
